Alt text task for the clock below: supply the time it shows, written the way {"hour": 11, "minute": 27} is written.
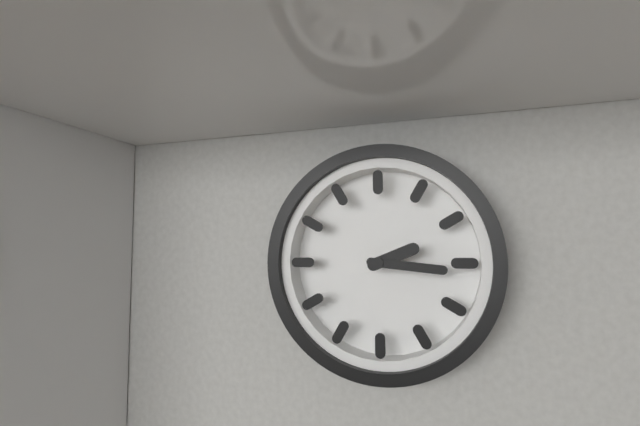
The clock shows {"hour": 2, "minute": 16}
